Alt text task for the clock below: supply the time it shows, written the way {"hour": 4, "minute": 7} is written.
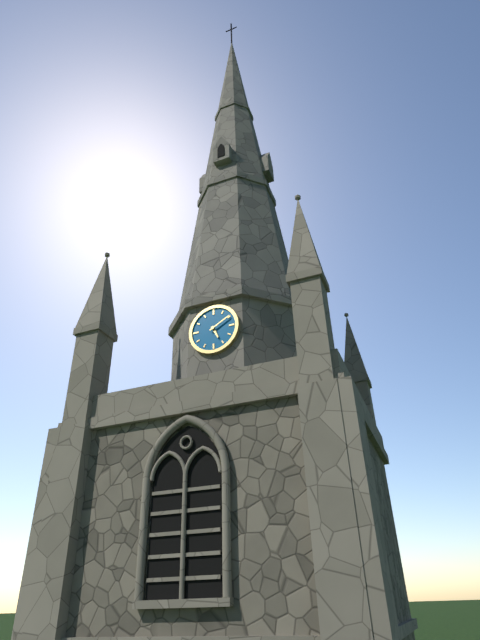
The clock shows {"hour": 5, "minute": 10}
